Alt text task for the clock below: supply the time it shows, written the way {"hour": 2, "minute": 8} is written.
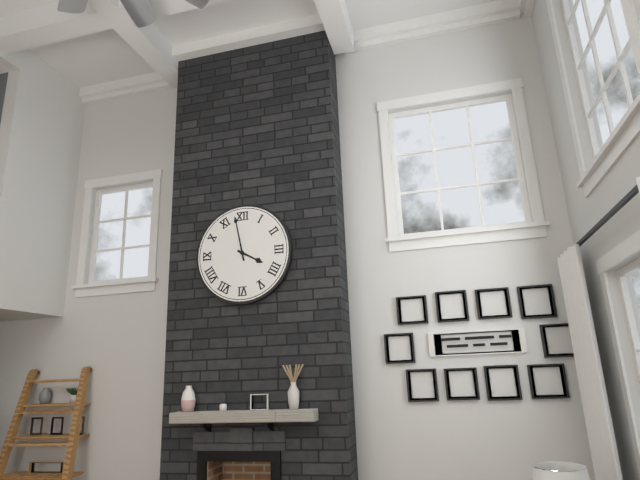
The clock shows {"hour": 3, "minute": 58}
